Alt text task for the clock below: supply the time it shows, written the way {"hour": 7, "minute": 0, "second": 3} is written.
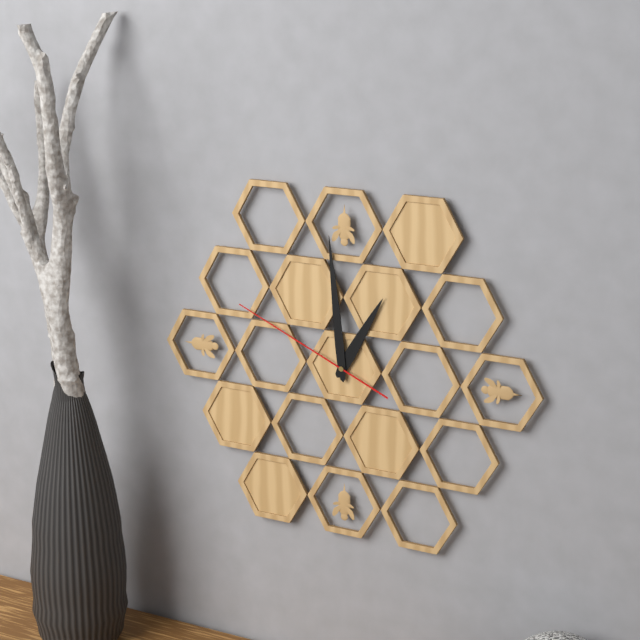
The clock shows {"hour": 12, "minute": 59, "second": 49}
